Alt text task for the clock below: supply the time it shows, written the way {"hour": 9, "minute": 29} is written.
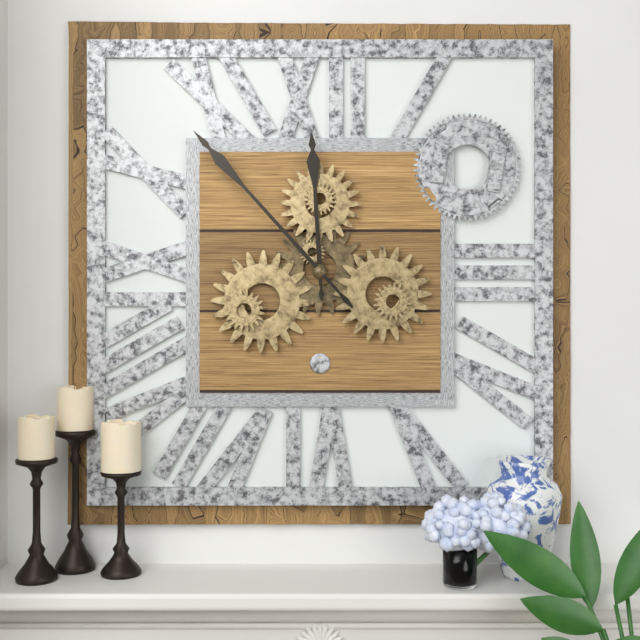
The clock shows {"hour": 11, "minute": 53}
